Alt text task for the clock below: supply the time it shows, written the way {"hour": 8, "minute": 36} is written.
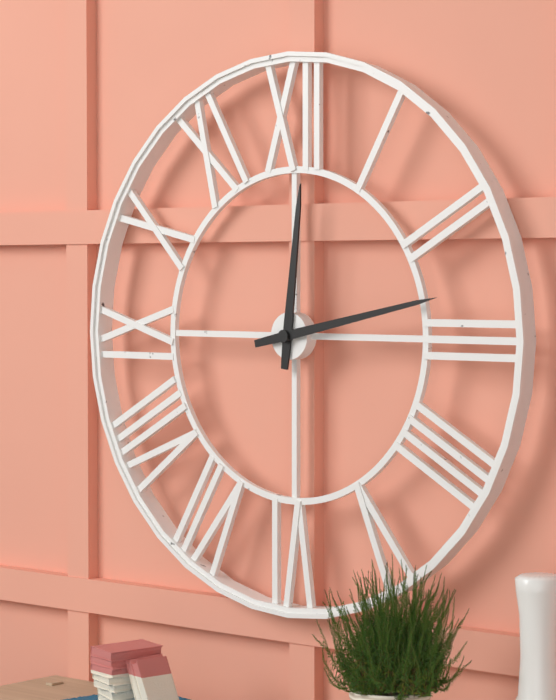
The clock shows {"hour": 12, "minute": 13}
